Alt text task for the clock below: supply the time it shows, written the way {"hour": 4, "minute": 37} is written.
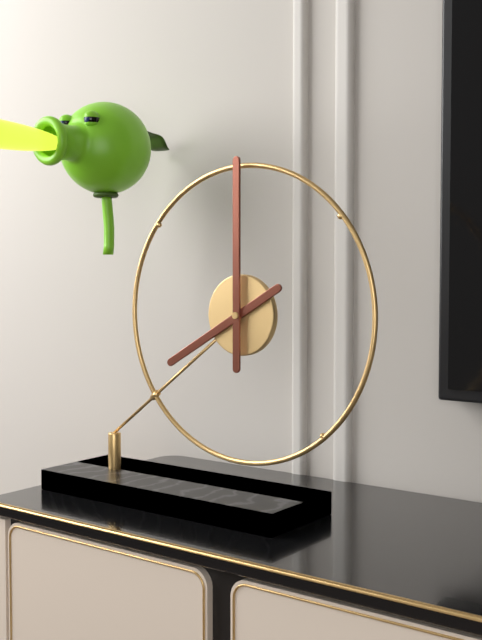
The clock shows {"hour": 8, "minute": 0}
